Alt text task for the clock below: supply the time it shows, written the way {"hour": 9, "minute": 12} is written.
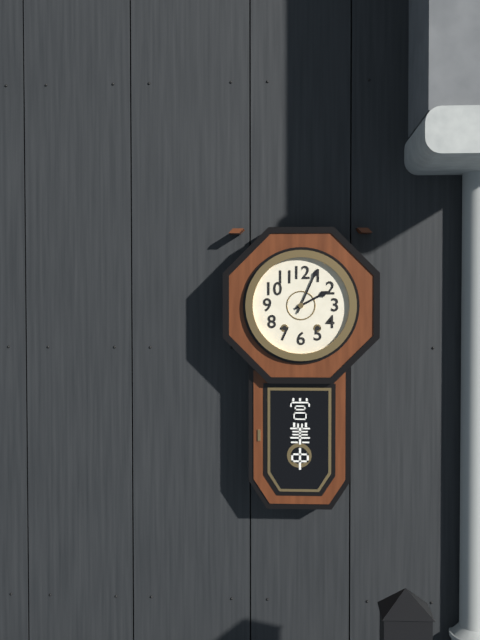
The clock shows {"hour": 2, "minute": 4}
